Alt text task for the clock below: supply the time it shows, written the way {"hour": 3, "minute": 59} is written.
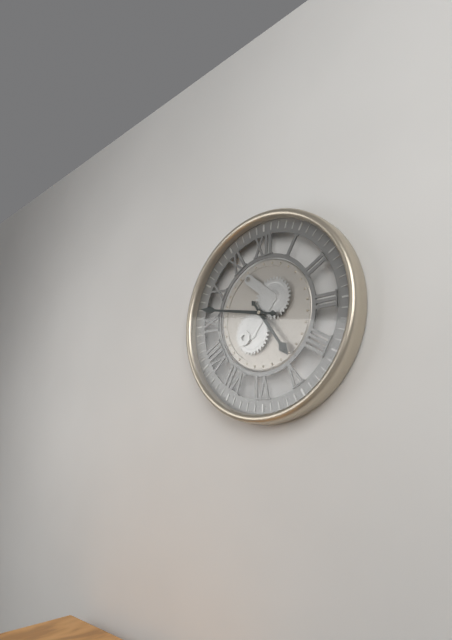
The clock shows {"hour": 4, "minute": 47}
